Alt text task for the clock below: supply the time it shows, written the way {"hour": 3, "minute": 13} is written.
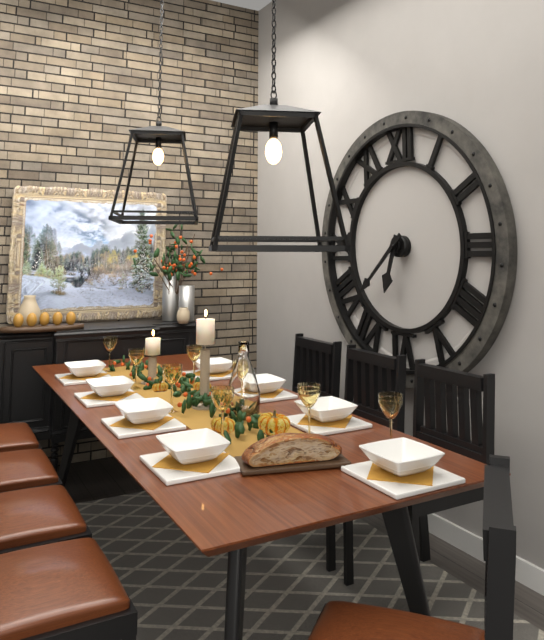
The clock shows {"hour": 6, "minute": 38}
